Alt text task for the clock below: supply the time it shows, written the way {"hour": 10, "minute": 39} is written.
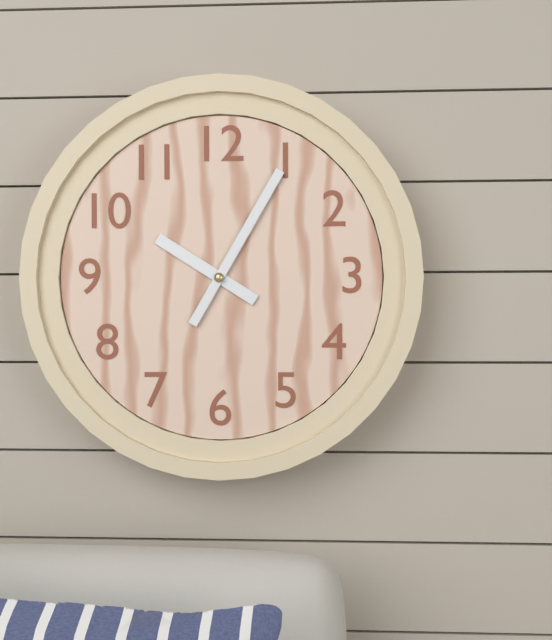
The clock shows {"hour": 10, "minute": 5}
